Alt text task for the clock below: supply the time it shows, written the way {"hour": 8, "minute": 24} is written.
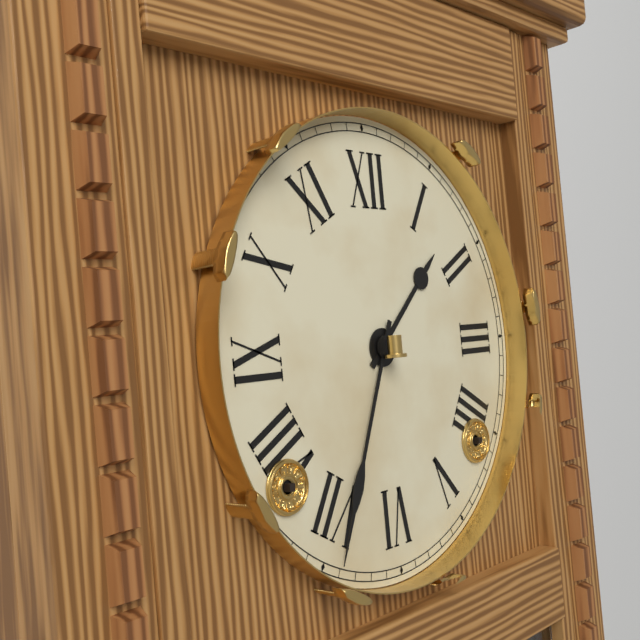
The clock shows {"hour": 1, "minute": 34}
